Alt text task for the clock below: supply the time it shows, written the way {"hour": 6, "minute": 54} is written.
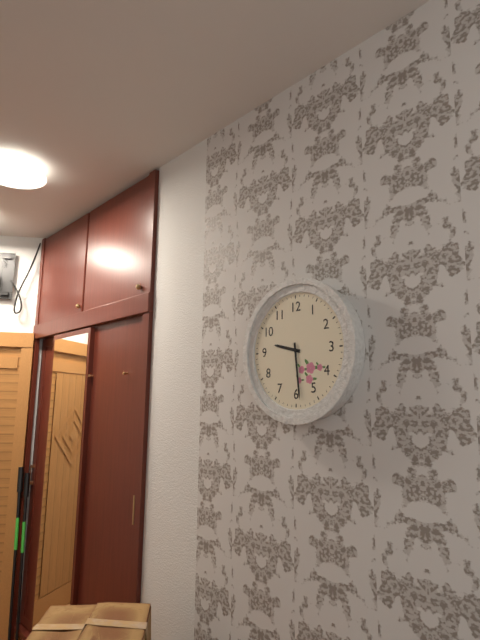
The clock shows {"hour": 9, "minute": 29}
